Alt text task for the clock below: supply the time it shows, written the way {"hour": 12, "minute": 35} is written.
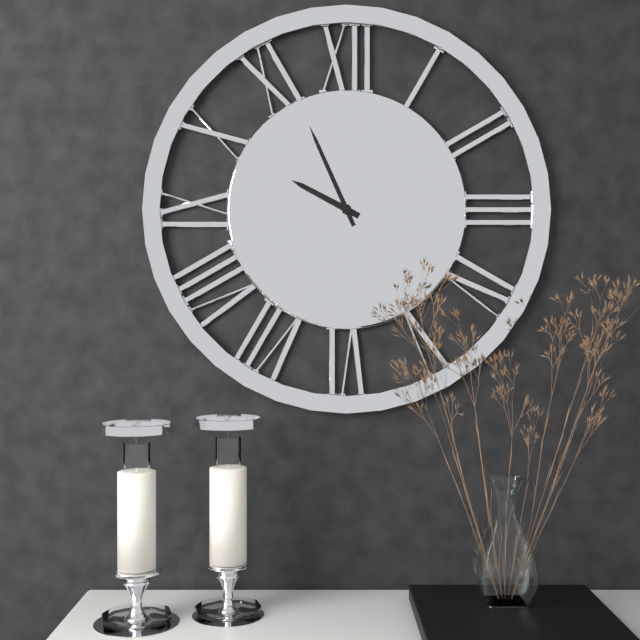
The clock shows {"hour": 9, "minute": 56}
